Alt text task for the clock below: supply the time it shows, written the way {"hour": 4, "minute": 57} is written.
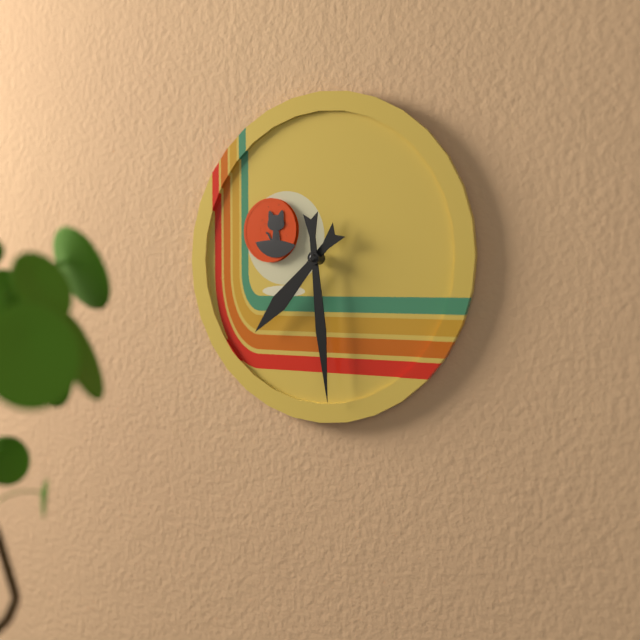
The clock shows {"hour": 7, "minute": 29}
